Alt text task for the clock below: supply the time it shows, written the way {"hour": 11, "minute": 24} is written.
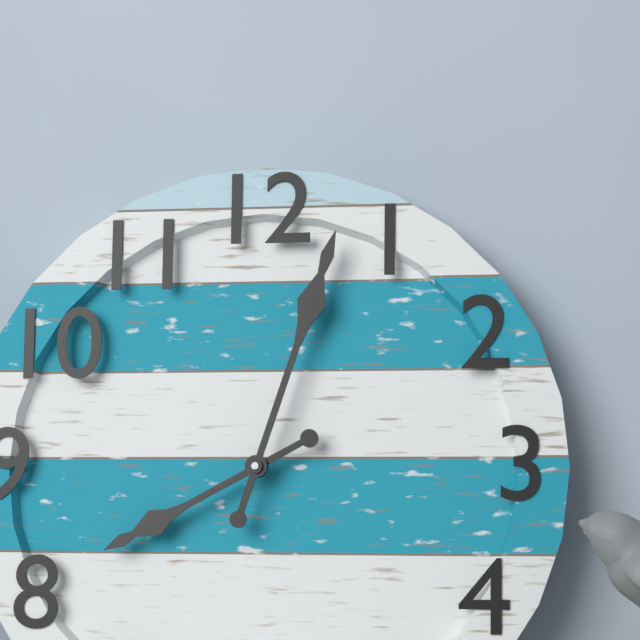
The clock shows {"hour": 8, "minute": 3}
